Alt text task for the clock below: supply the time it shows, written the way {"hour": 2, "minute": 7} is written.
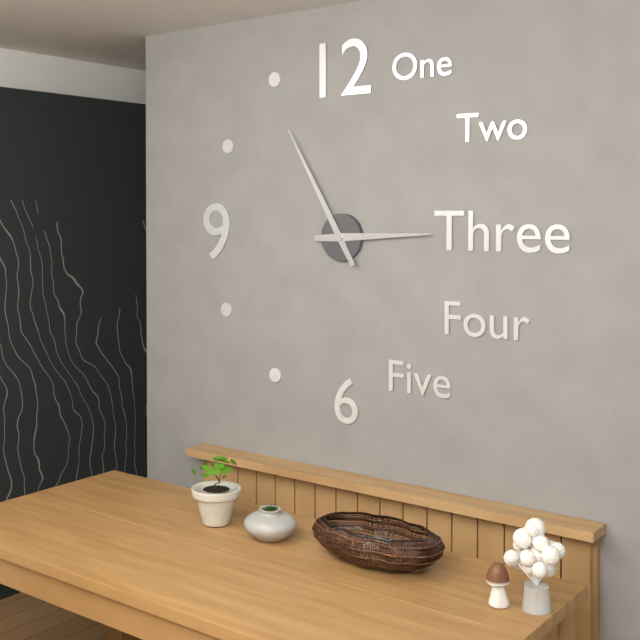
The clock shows {"hour": 2, "minute": 55}
